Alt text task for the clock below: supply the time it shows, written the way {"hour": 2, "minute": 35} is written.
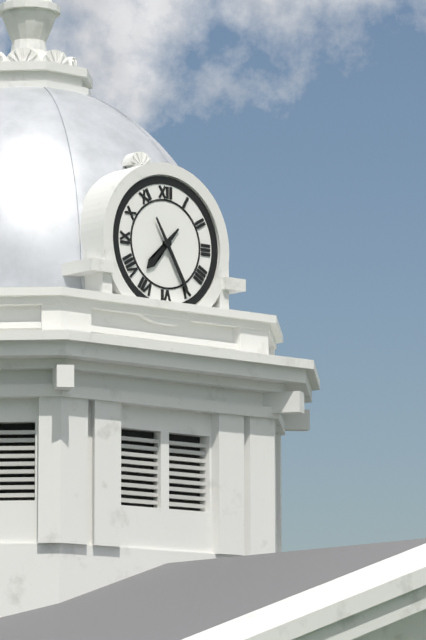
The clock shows {"hour": 7, "minute": 25}
